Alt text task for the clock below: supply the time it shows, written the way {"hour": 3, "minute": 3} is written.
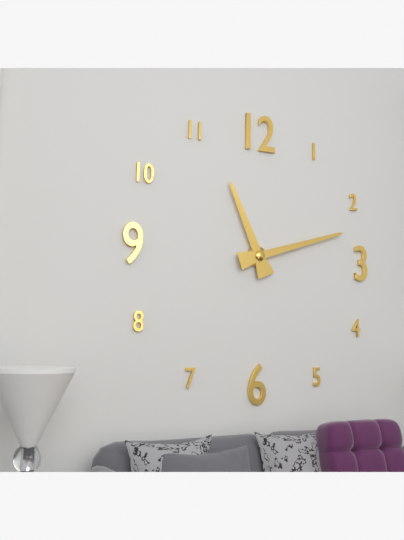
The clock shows {"hour": 11, "minute": 12}
